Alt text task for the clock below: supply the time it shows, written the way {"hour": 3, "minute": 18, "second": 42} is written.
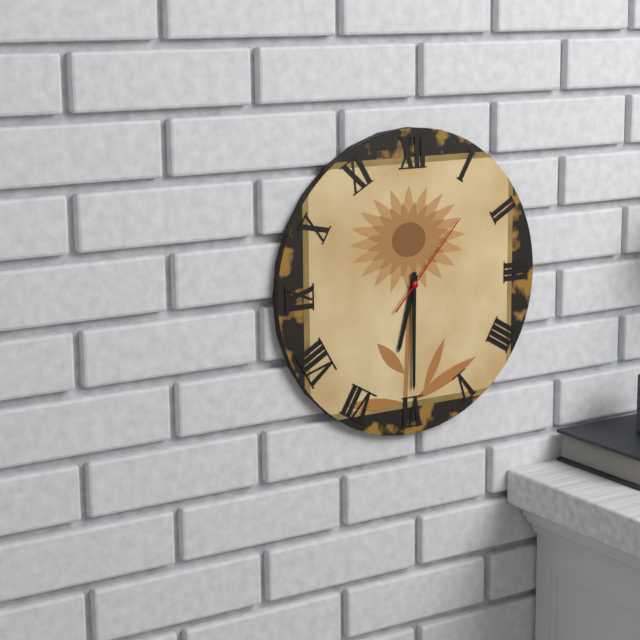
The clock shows {"hour": 6, "minute": 30, "second": 7}
